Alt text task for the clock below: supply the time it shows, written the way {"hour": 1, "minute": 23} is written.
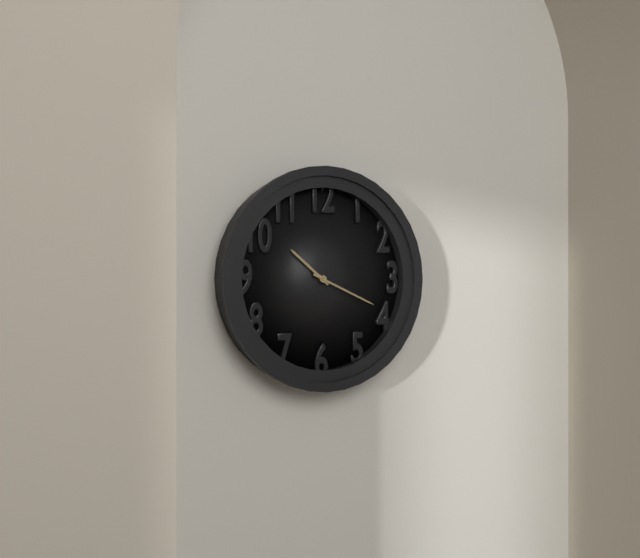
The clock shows {"hour": 10, "minute": 19}
